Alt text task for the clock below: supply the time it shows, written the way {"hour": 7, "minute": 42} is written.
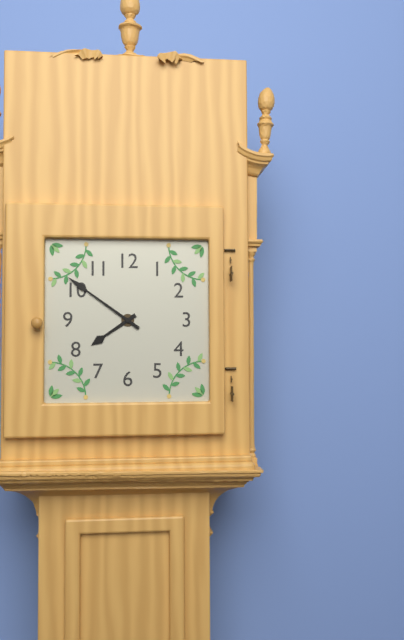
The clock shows {"hour": 7, "minute": 51}
